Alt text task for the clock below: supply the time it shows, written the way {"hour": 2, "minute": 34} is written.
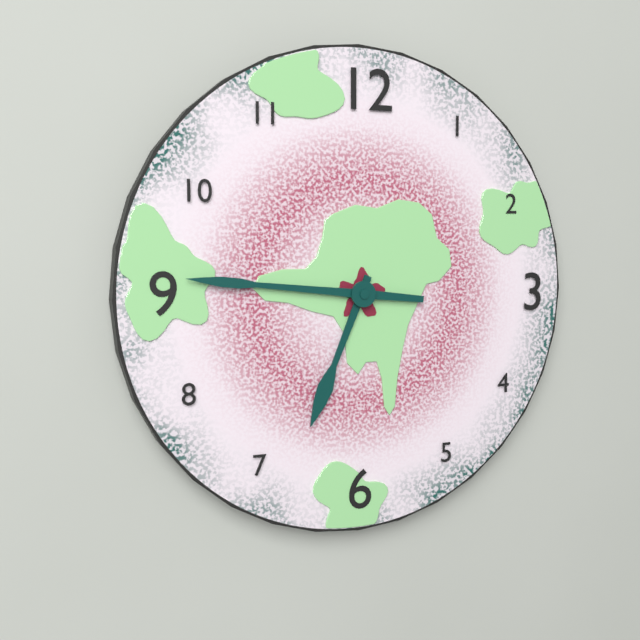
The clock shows {"hour": 6, "minute": 46}
